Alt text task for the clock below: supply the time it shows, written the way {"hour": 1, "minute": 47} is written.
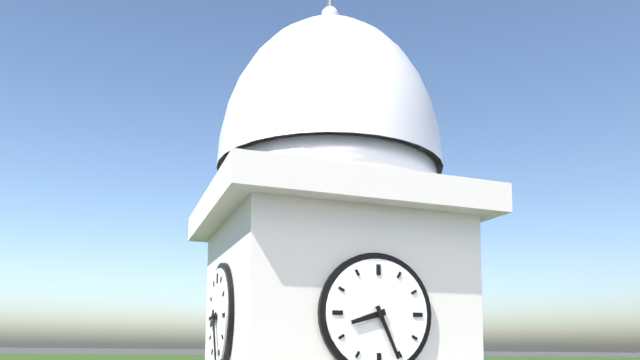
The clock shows {"hour": 8, "minute": 26}
